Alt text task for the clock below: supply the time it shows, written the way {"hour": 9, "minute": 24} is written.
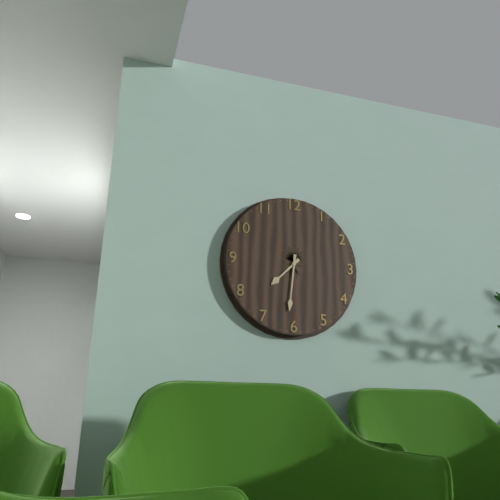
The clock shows {"hour": 7, "minute": 31}
